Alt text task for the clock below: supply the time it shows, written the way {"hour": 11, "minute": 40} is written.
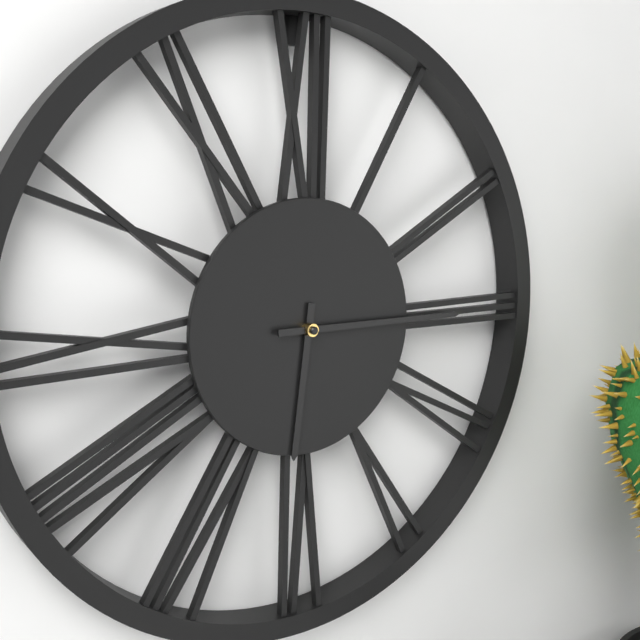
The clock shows {"hour": 6, "minute": 15}
